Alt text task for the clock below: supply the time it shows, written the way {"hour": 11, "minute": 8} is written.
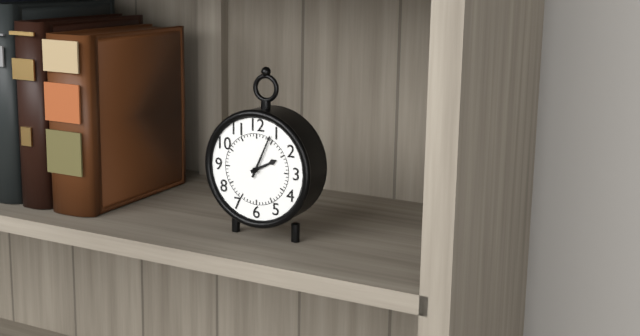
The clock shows {"hour": 2, "minute": 4}
